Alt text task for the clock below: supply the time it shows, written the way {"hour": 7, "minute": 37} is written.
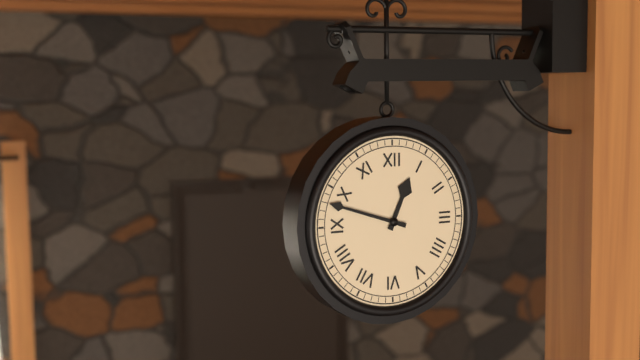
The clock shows {"hour": 12, "minute": 48}
